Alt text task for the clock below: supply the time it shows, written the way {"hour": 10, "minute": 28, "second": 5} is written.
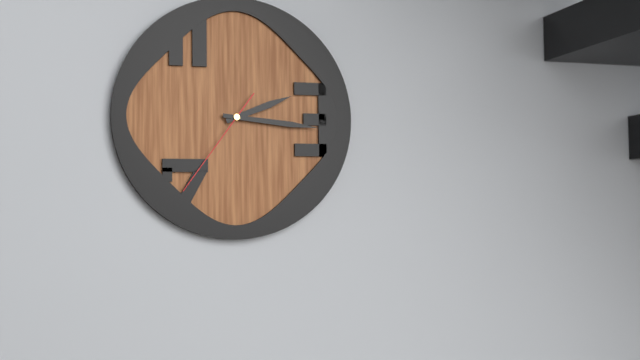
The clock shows {"hour": 2, "minute": 16, "second": 36}
